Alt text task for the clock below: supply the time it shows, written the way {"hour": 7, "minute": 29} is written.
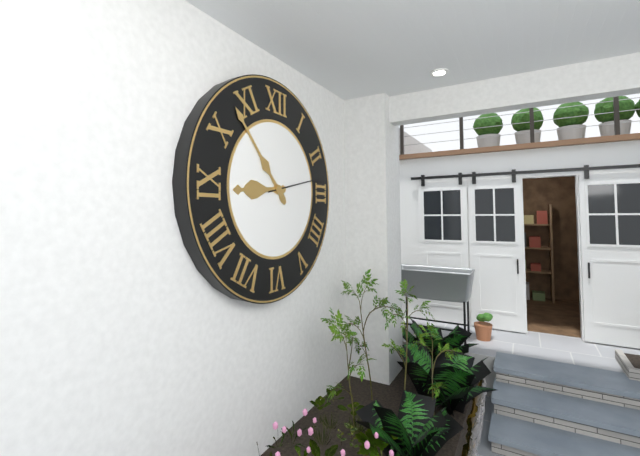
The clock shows {"hour": 8, "minute": 53}
